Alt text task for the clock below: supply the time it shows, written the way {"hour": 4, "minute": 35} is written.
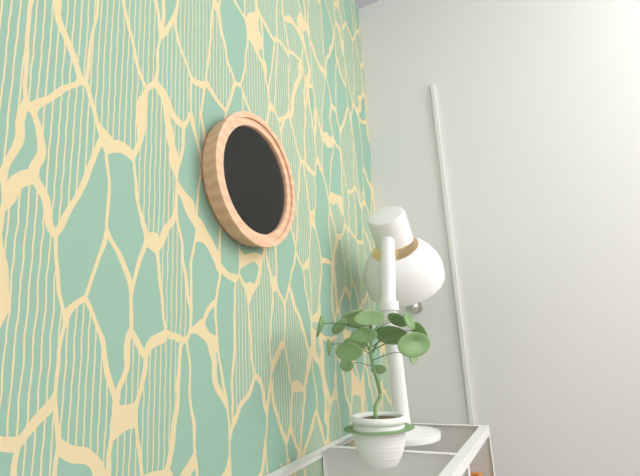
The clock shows {"hour": 12, "minute": 2}
